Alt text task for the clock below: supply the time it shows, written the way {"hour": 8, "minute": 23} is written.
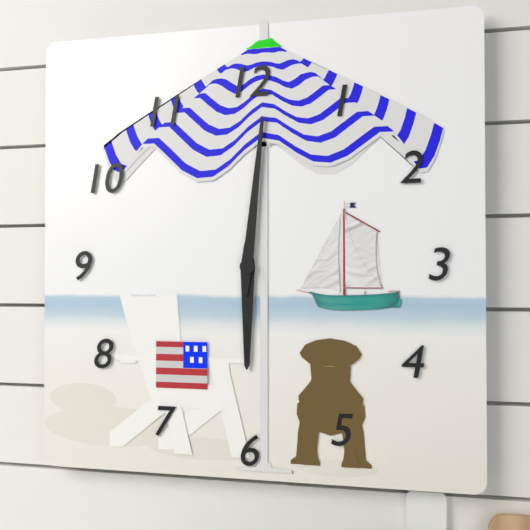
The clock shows {"hour": 6, "minute": 1}
